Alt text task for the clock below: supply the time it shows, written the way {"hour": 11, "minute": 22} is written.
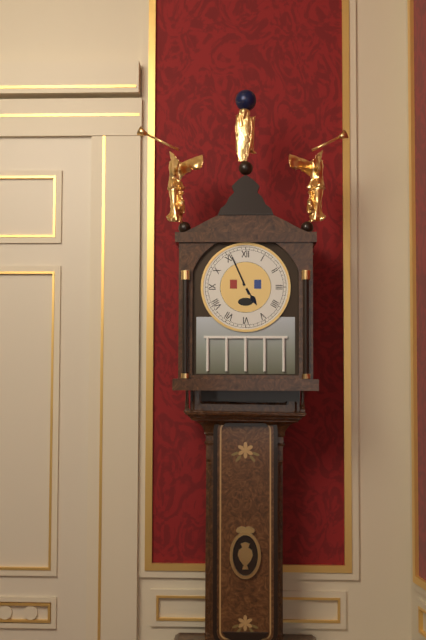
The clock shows {"hour": 4, "minute": 56}
